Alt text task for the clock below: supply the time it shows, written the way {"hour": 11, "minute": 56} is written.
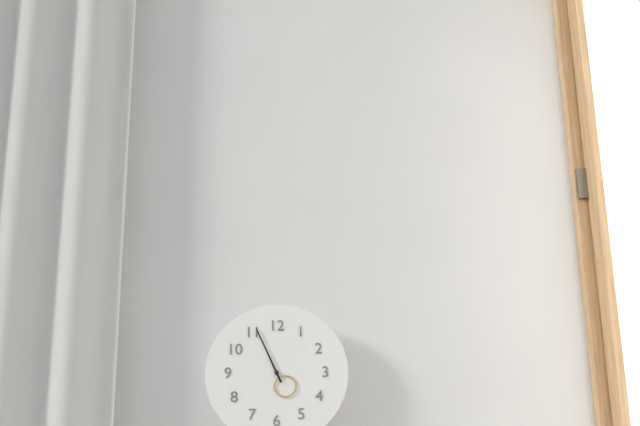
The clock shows {"hour": 4, "minute": 56}
